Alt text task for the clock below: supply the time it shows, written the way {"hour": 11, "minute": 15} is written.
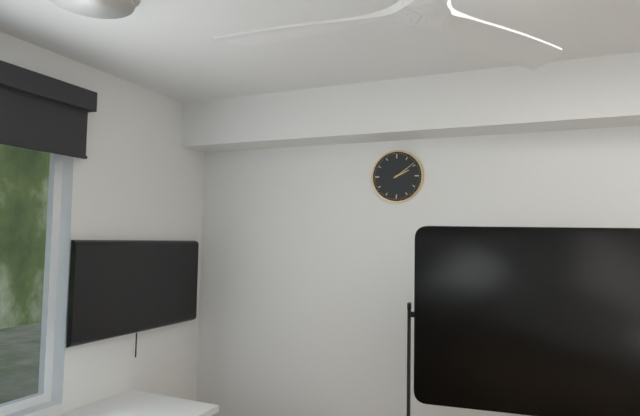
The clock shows {"hour": 2, "minute": 9}
